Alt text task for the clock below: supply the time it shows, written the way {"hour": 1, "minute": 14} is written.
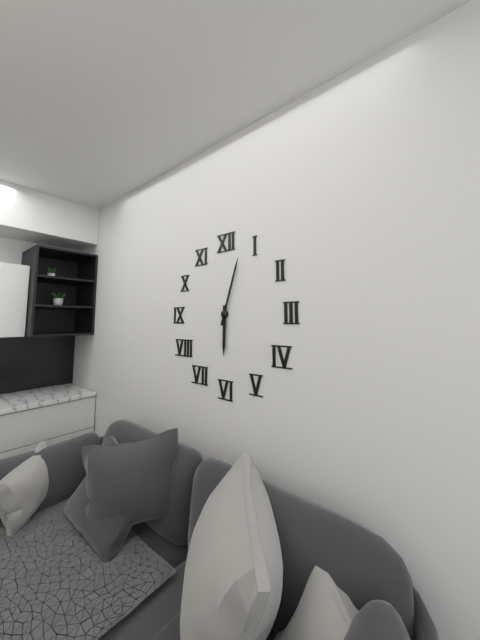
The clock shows {"hour": 6, "minute": 3}
